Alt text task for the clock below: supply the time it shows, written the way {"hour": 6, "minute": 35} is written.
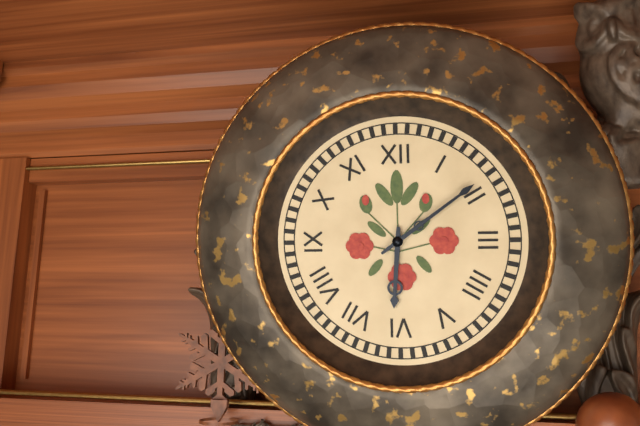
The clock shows {"hour": 6, "minute": 9}
